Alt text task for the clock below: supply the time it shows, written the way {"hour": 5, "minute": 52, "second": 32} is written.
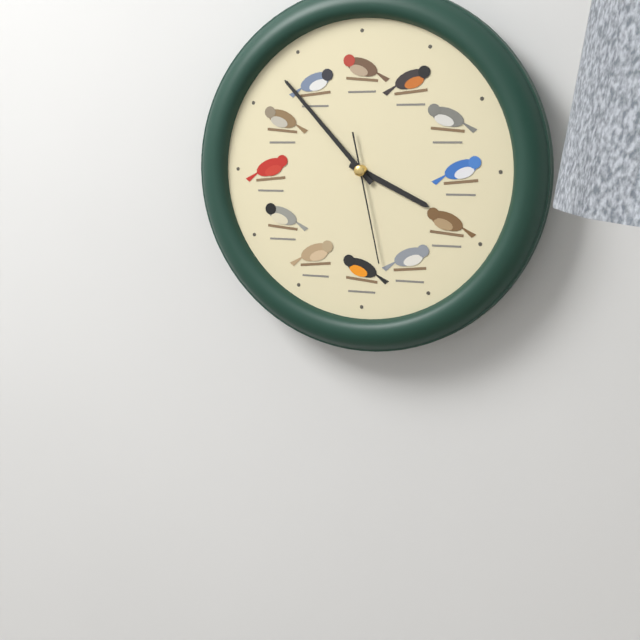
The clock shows {"hour": 3, "minute": 53, "second": 28}
